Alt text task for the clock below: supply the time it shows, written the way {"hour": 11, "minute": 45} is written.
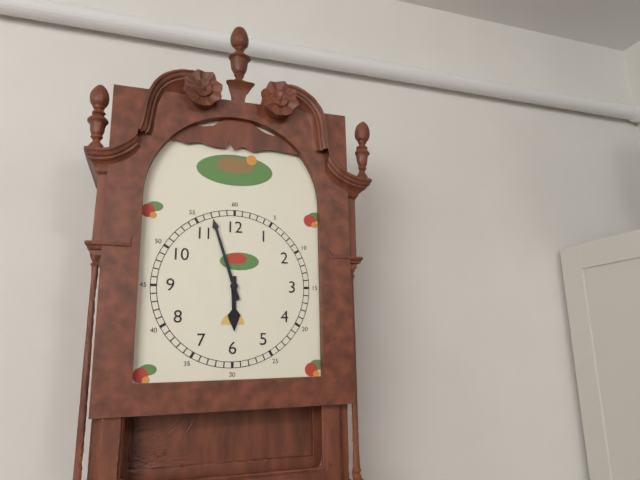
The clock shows {"hour": 5, "minute": 57}
